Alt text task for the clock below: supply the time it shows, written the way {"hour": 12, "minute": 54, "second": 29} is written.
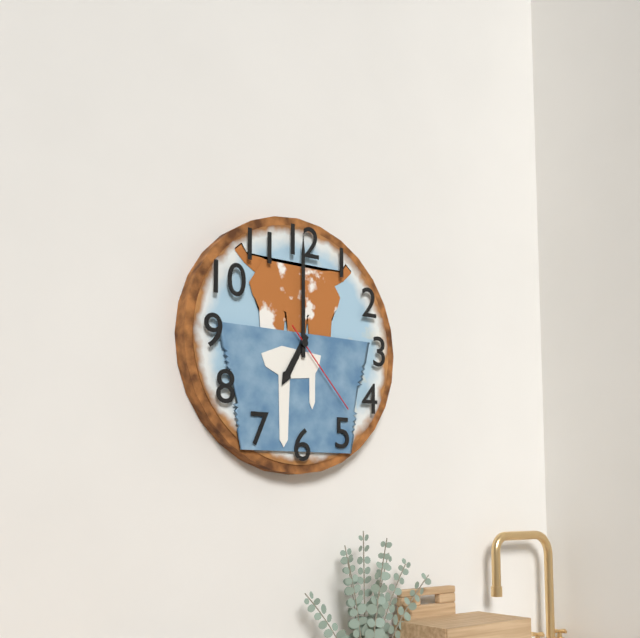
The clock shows {"hour": 7, "minute": 0, "second": 23}
